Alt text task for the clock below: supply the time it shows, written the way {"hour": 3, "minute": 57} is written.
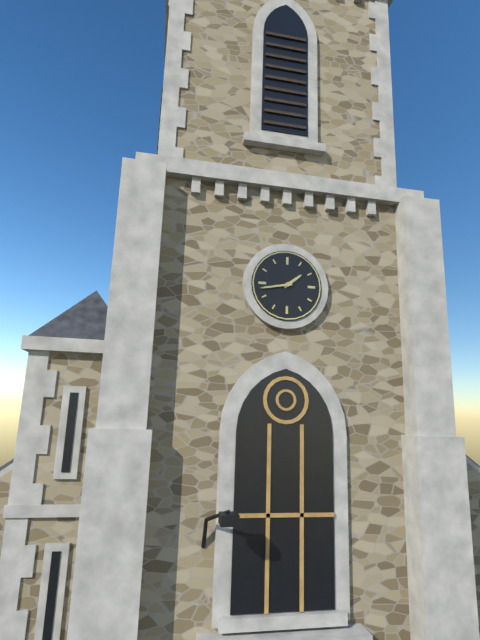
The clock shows {"hour": 1, "minute": 43}
